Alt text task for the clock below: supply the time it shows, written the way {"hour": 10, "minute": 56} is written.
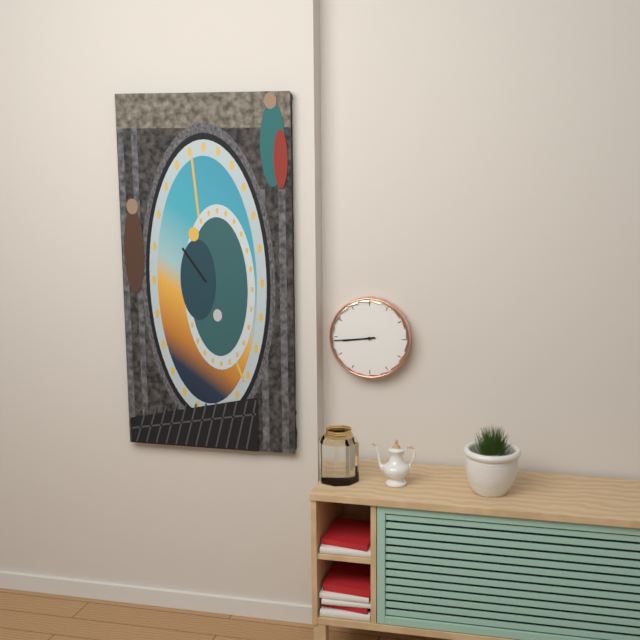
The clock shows {"hour": 8, "minute": 44}
